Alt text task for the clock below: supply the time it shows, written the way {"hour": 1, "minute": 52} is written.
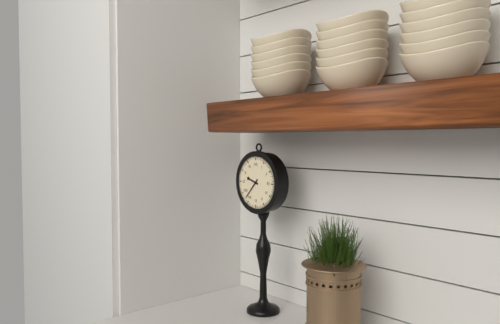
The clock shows {"hour": 9, "minute": 37}
